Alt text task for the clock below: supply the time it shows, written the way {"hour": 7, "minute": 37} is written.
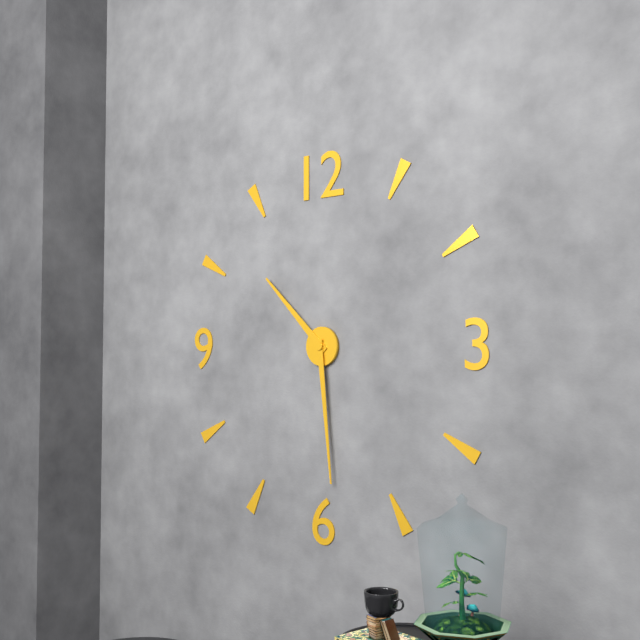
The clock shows {"hour": 10, "minute": 29}
